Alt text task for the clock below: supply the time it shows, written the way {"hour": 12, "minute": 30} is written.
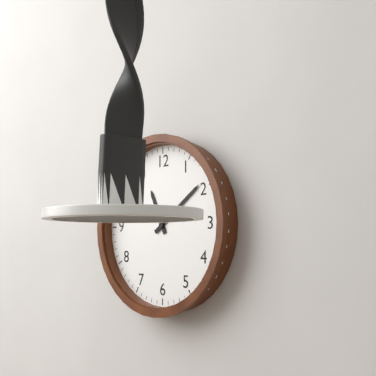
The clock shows {"hour": 11, "minute": 9}
